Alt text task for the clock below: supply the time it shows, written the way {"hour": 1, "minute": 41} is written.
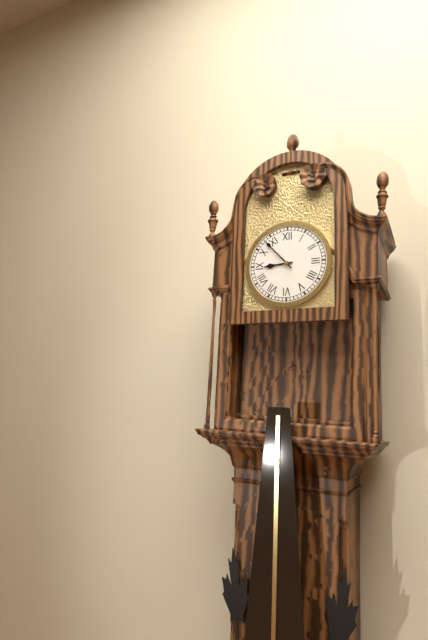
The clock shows {"hour": 8, "minute": 53}
